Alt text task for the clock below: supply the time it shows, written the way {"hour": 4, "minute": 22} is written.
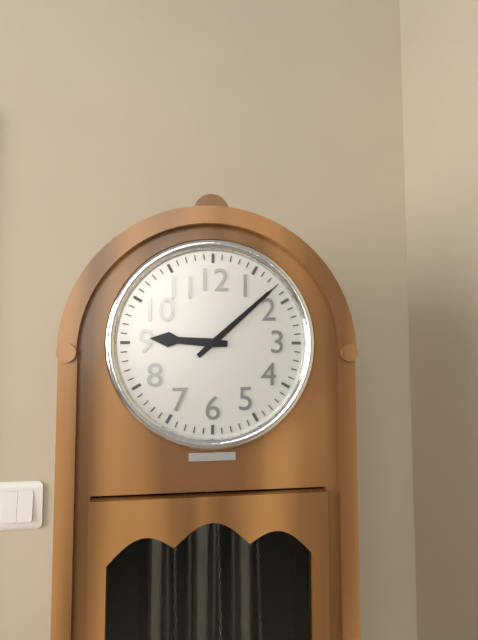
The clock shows {"hour": 9, "minute": 8}
